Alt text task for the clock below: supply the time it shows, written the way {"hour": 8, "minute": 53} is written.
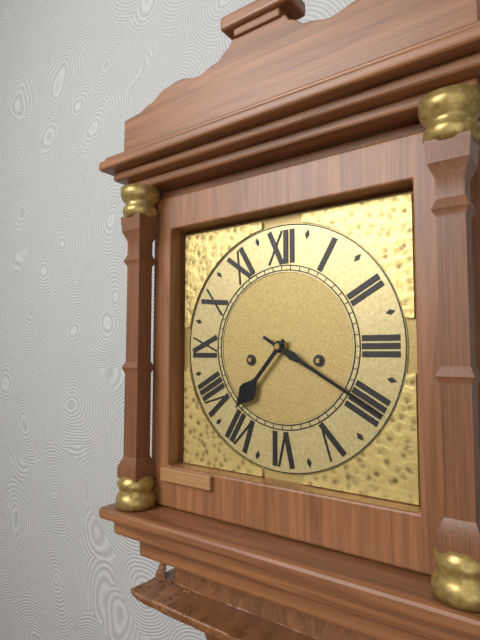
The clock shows {"hour": 7, "minute": 20}
